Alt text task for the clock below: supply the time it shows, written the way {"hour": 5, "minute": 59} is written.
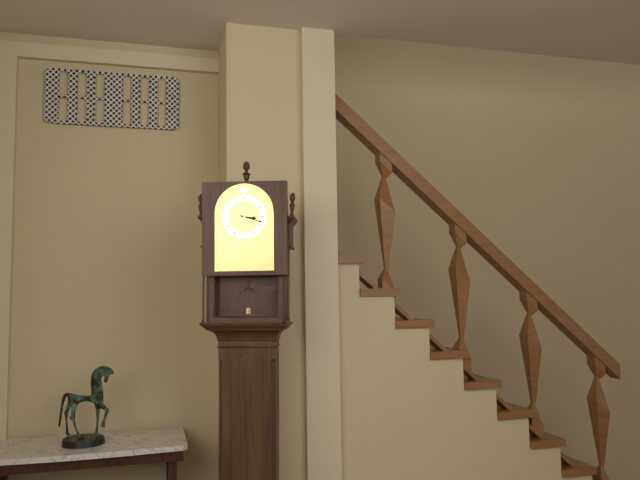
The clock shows {"hour": 3, "minute": 18}
